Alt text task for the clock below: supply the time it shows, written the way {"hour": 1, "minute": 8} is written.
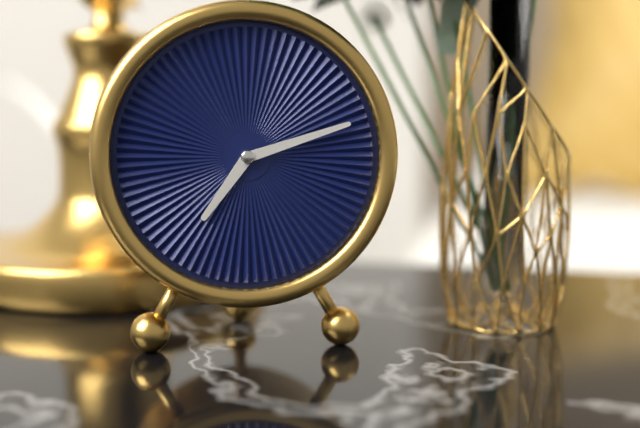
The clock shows {"hour": 7, "minute": 12}
